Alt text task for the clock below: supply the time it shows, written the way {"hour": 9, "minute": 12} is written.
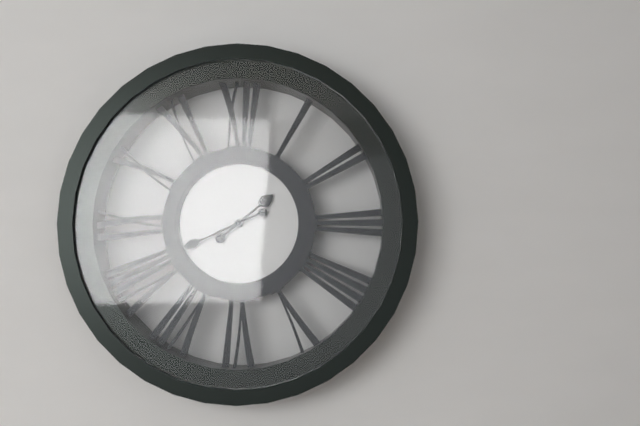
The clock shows {"hour": 1, "minute": 41}
